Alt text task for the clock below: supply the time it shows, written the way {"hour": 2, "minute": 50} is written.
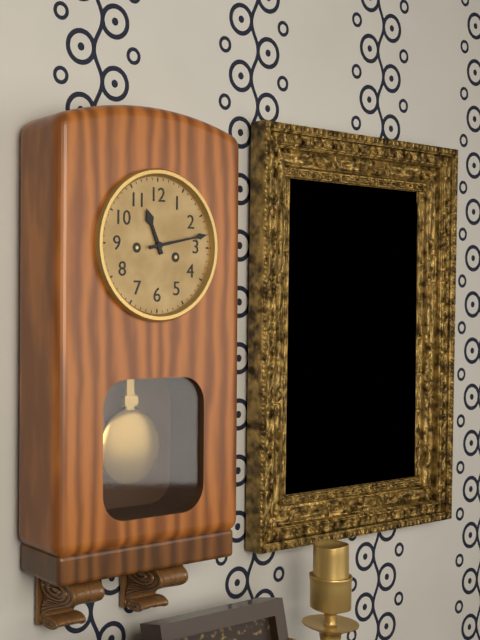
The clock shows {"hour": 11, "minute": 13}
